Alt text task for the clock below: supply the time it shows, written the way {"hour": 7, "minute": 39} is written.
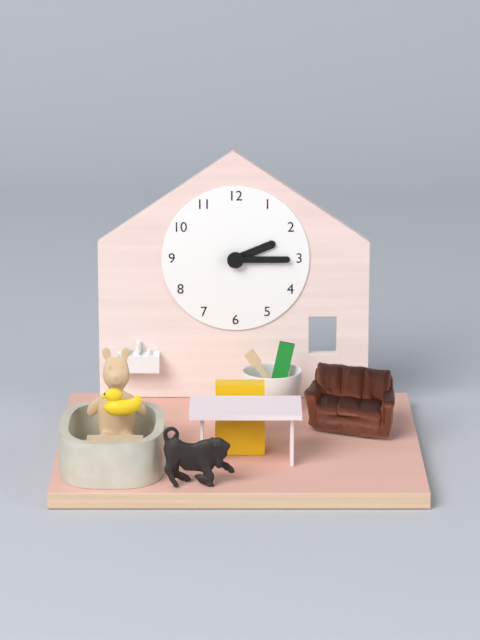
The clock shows {"hour": 2, "minute": 15}
